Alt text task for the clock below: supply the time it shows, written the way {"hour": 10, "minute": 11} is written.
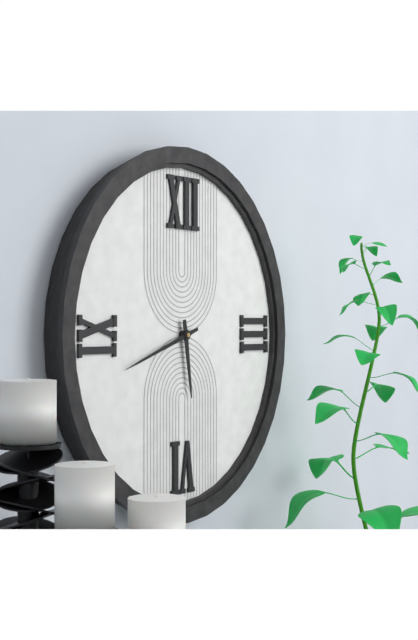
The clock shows {"hour": 5, "minute": 42}
